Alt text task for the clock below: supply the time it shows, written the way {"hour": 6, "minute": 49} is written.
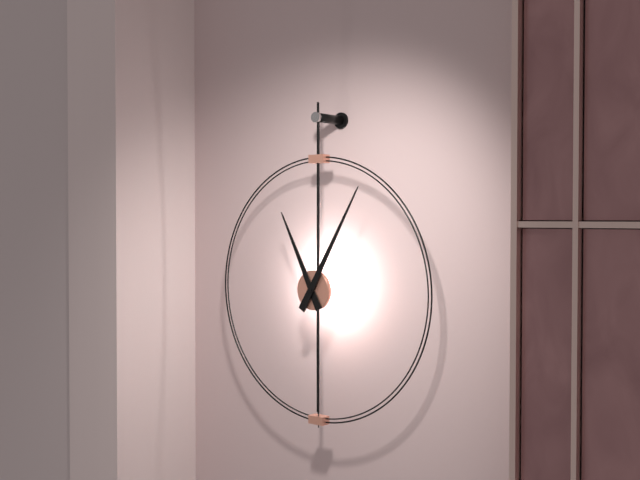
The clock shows {"hour": 11, "minute": 5}
